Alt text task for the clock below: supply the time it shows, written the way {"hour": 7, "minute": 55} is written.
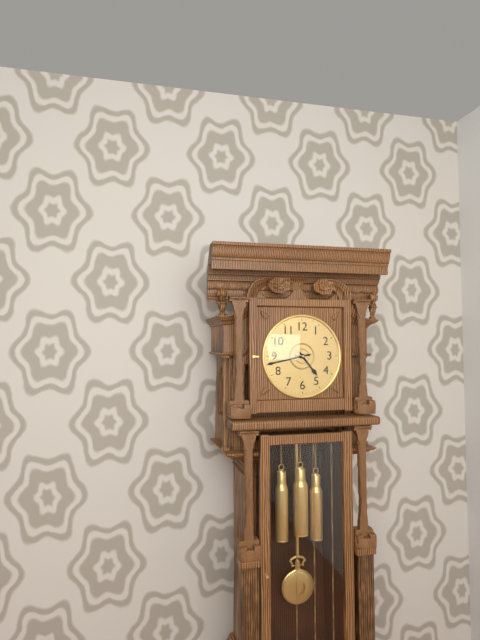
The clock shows {"hour": 4, "minute": 43}
